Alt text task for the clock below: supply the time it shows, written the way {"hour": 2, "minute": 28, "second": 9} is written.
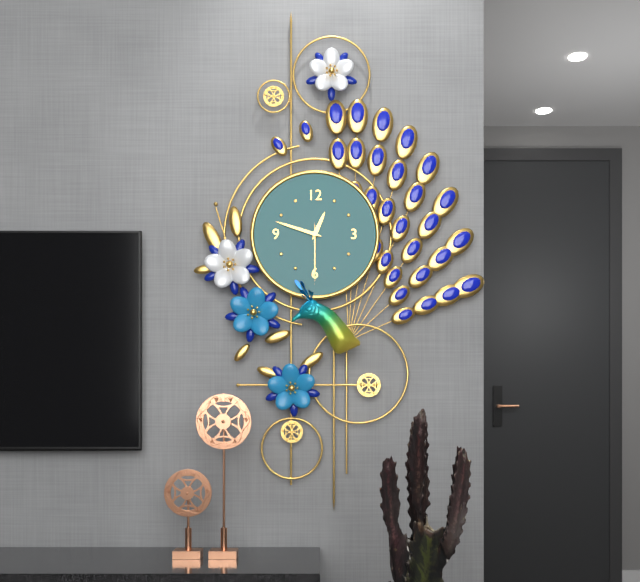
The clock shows {"hour": 12, "minute": 48, "second": 30}
